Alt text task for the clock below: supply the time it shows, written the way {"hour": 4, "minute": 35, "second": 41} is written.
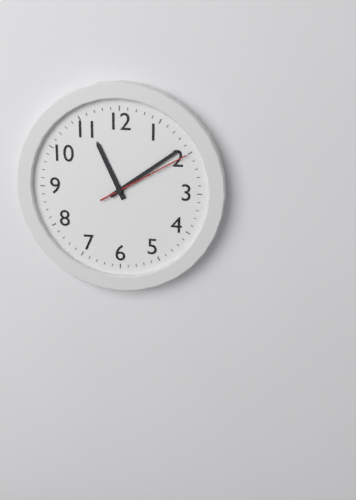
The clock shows {"hour": 11, "minute": 9, "second": 10}
